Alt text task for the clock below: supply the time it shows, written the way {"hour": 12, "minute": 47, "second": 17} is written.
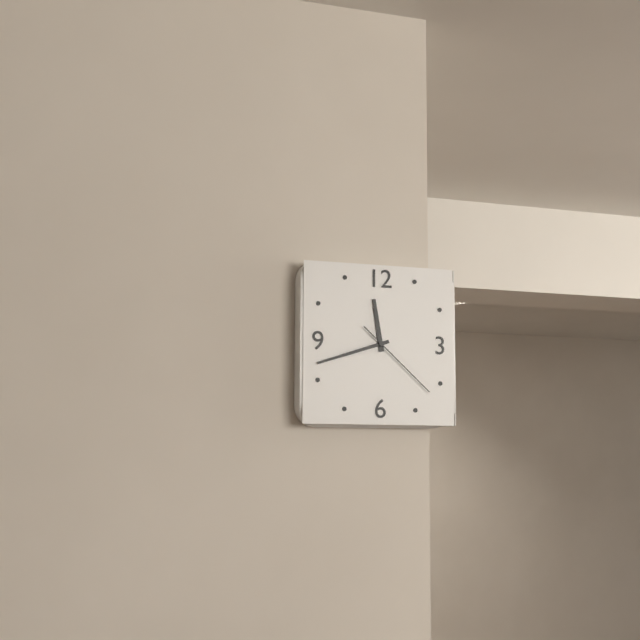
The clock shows {"hour": 11, "minute": 42, "second": 22}
